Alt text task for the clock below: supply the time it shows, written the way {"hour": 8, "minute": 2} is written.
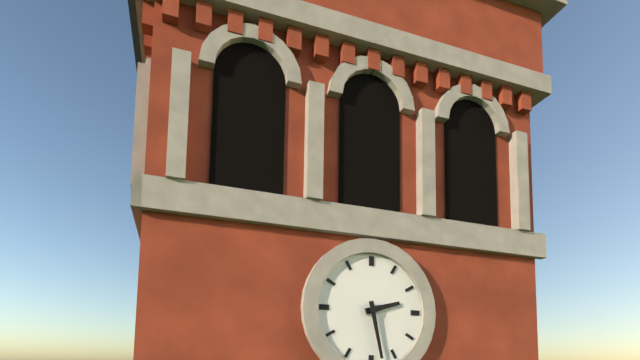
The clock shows {"hour": 2, "minute": 28}
